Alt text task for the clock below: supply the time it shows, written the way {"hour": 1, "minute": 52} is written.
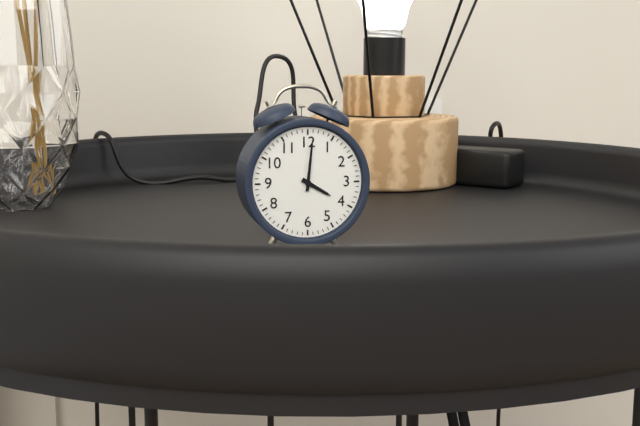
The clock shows {"hour": 4, "minute": 1}
